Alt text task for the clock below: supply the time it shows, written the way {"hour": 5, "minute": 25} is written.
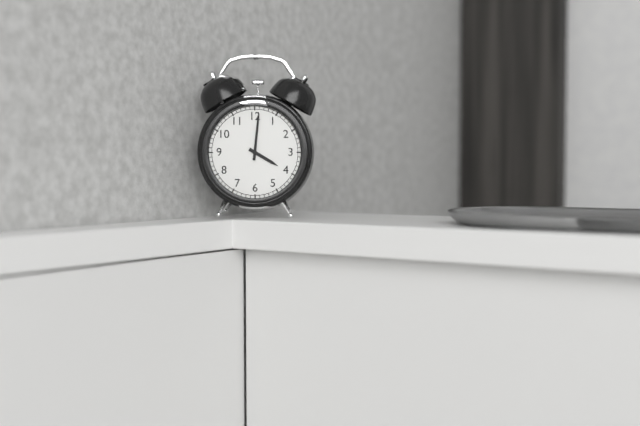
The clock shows {"hour": 4, "minute": 1}
